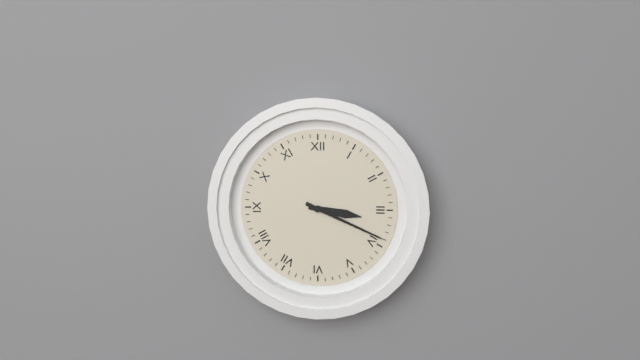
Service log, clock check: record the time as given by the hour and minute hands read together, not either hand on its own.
3:19
